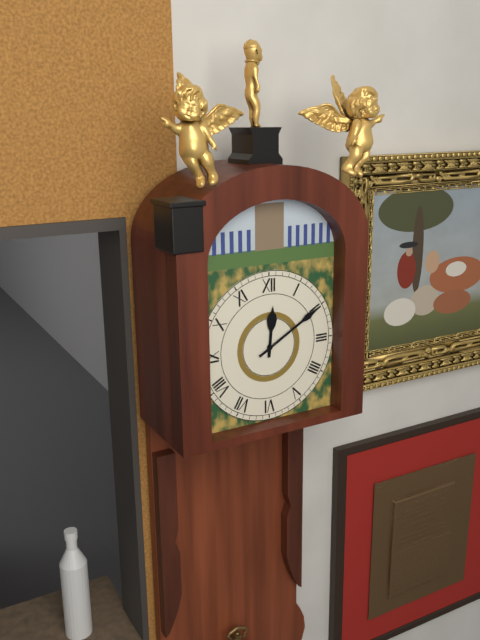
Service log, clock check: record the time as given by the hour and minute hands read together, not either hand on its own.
12:10
